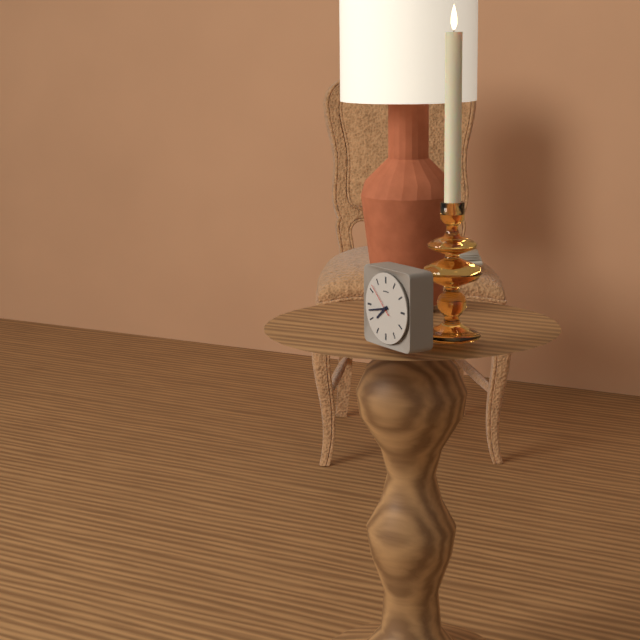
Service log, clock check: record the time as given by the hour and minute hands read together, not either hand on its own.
7:43
